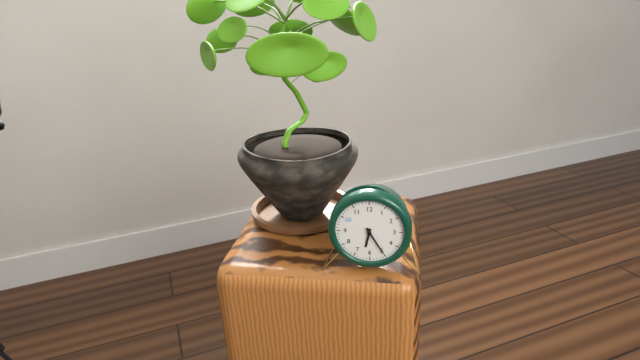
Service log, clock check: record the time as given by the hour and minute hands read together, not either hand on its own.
6:25
